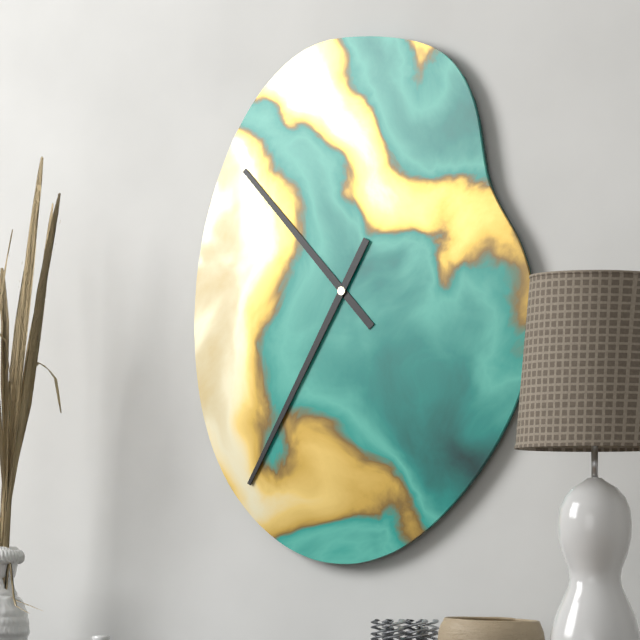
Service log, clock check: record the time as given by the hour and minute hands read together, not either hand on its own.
10:35
